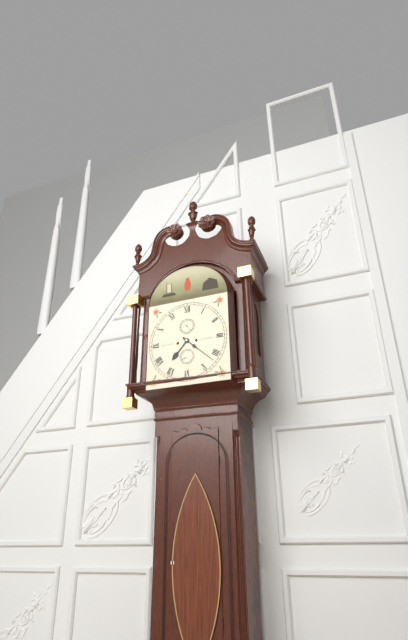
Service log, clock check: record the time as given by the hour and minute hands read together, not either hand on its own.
7:22
